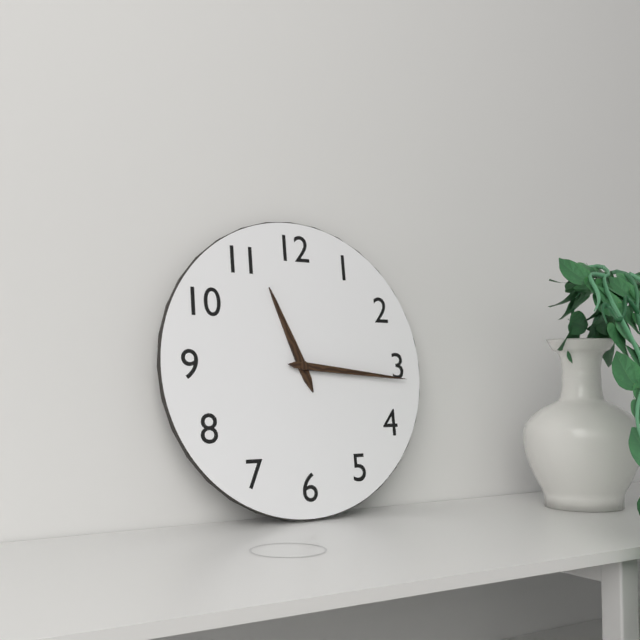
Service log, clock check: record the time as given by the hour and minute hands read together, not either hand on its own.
11:16
